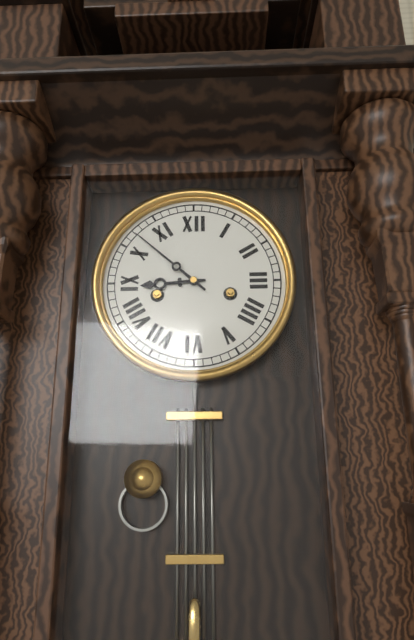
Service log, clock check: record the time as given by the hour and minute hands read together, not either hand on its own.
8:52
